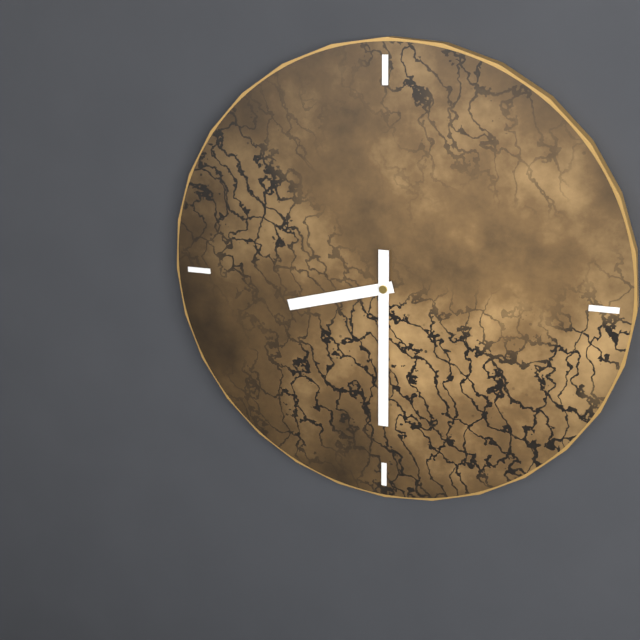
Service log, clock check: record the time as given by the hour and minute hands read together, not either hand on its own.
8:30
